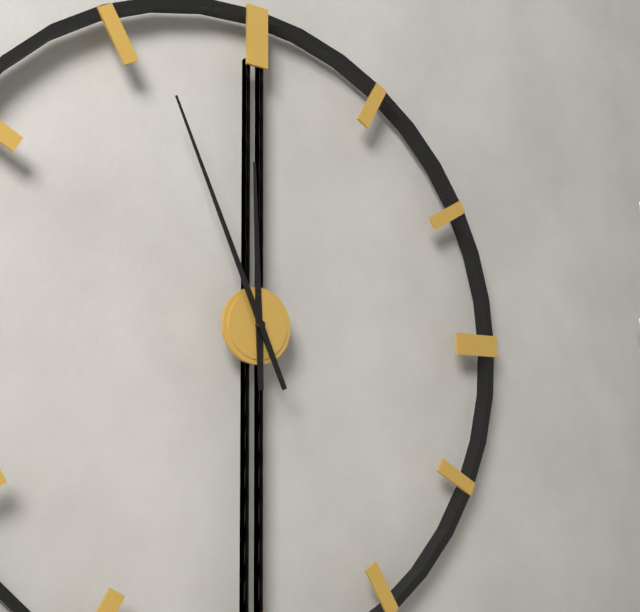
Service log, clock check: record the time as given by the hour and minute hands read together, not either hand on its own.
11:56
